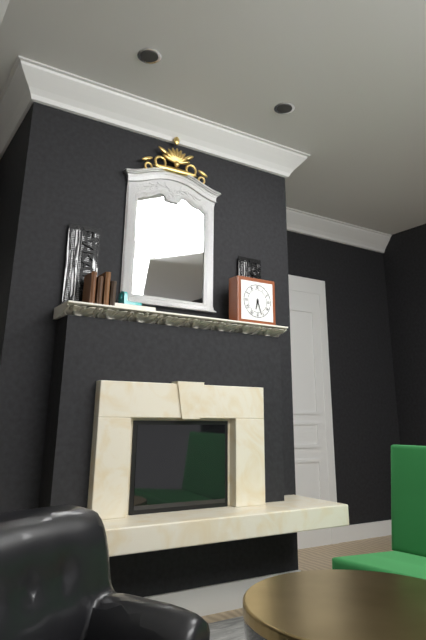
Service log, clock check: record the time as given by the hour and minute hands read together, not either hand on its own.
6:27
